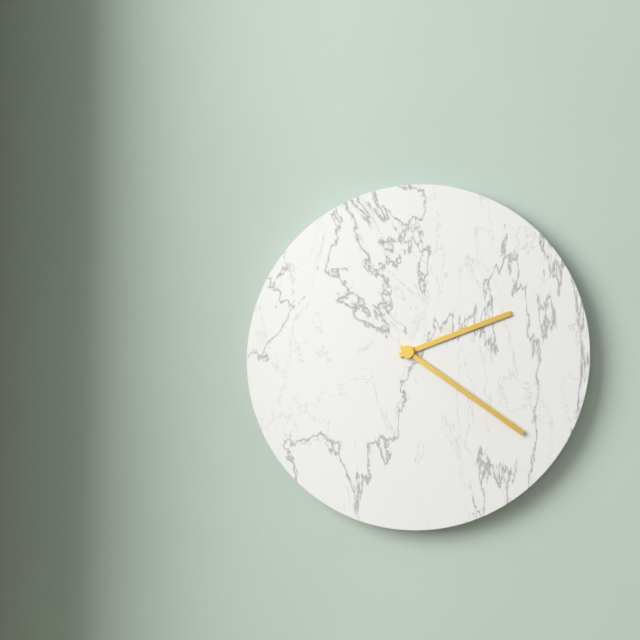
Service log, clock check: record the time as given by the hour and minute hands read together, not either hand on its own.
2:21
